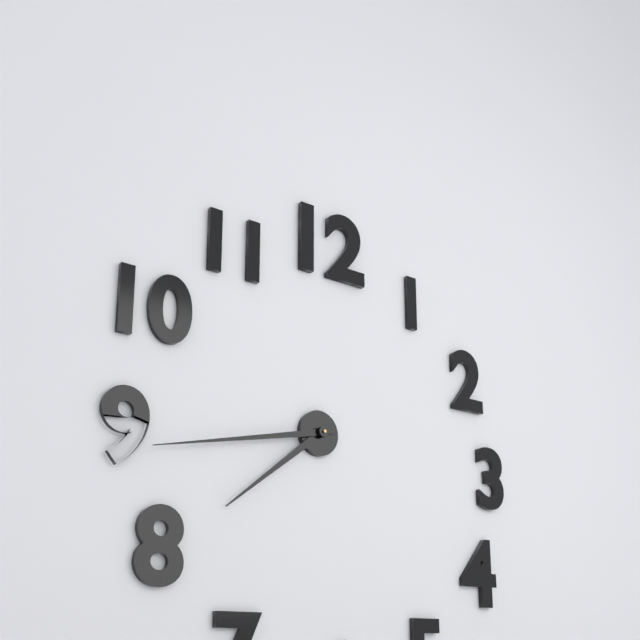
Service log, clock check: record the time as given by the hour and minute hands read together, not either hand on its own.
7:43
